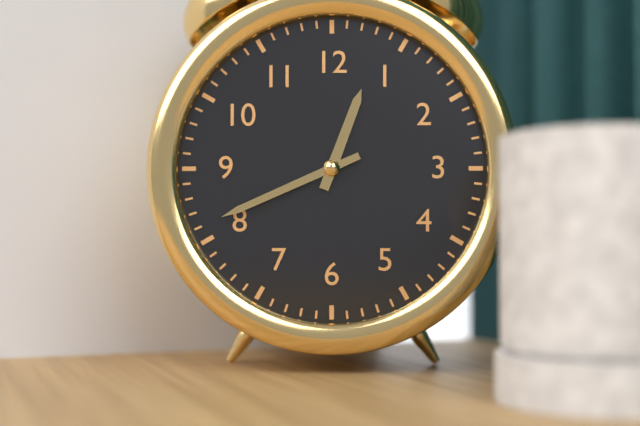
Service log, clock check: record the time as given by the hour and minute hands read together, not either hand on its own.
12:41
